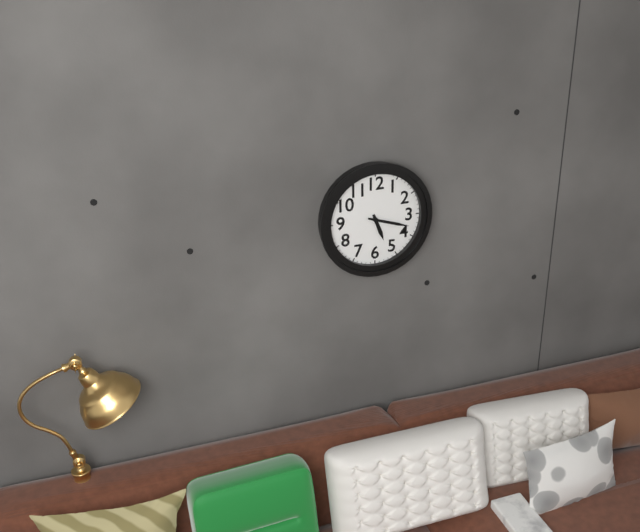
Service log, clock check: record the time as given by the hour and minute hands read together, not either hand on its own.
5:18
